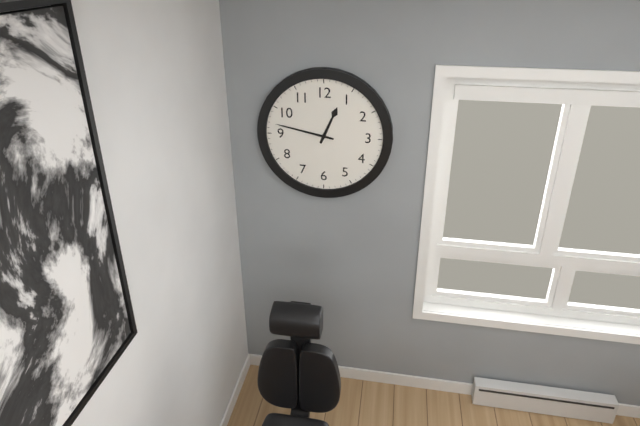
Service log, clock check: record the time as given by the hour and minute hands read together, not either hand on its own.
12:47
